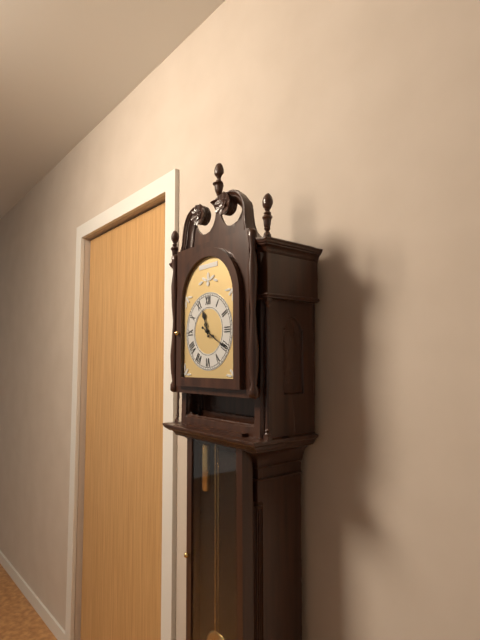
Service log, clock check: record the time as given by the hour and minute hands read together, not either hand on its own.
11:20
